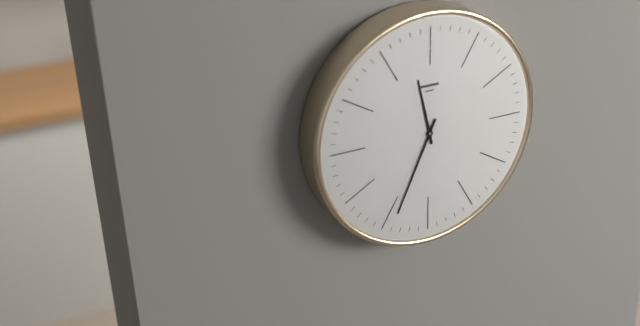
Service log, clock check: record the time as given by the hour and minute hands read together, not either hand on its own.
11:34
